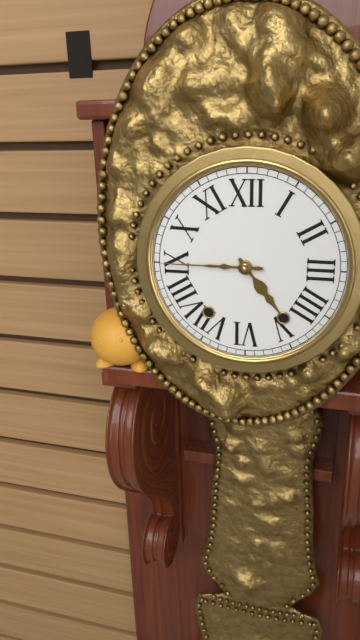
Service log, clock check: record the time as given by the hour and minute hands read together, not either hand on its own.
4:45
